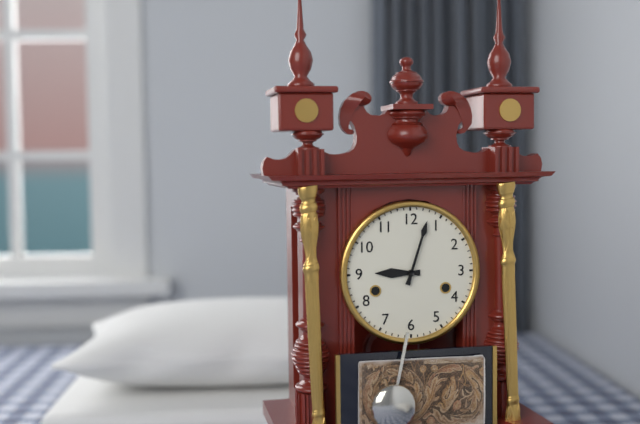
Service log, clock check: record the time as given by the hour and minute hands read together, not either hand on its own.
9:03
